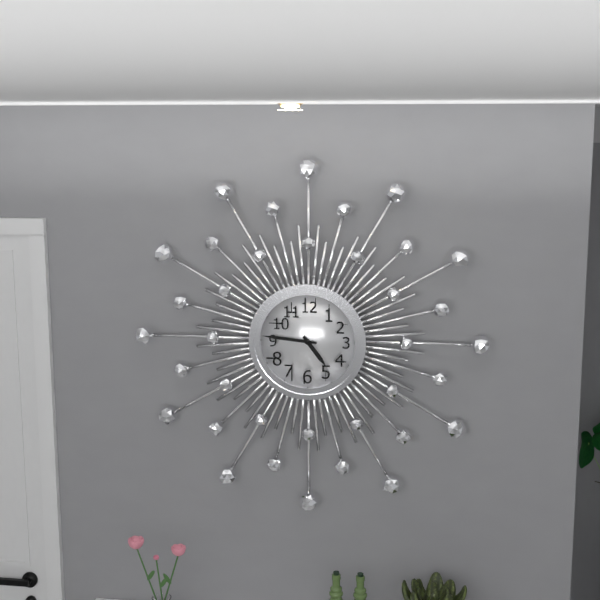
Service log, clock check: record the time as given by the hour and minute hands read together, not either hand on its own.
4:46
